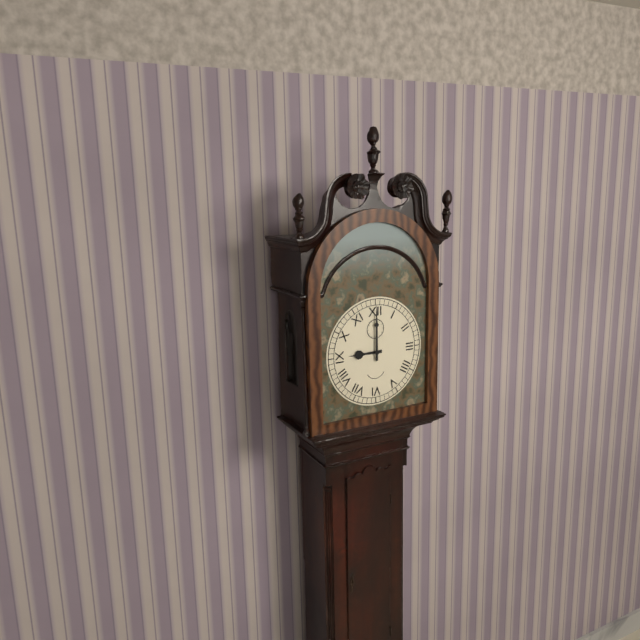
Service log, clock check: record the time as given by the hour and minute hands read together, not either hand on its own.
9:00
